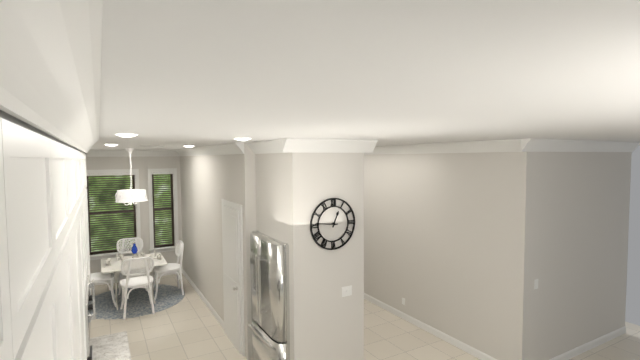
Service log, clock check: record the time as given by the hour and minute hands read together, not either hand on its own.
12:46
